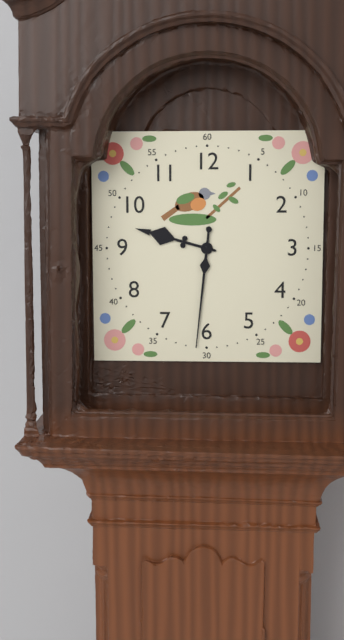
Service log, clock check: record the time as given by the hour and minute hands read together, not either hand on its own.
9:31
